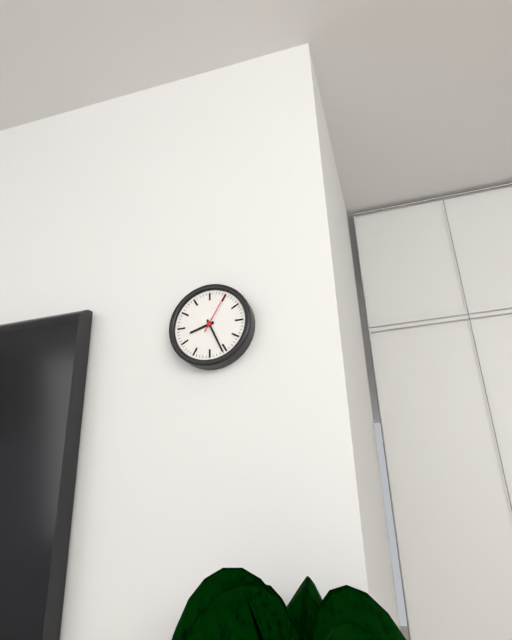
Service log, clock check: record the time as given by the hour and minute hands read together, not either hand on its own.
8:26
